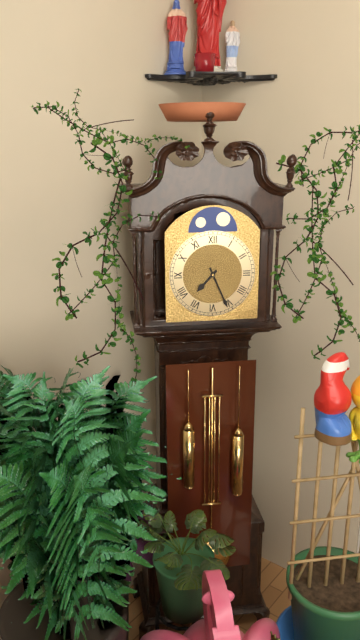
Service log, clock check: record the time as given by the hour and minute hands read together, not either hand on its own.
7:26
